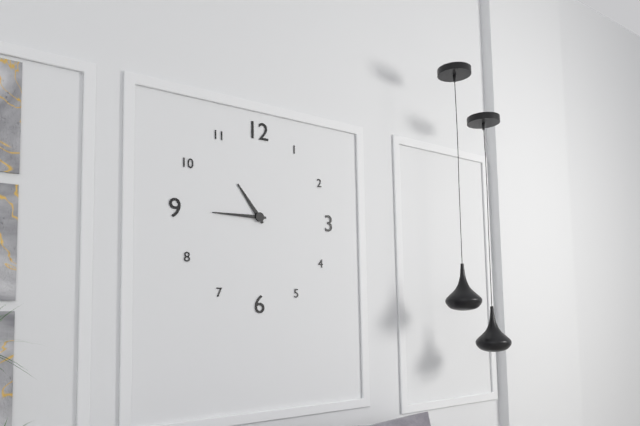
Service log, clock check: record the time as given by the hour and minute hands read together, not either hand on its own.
10:45
